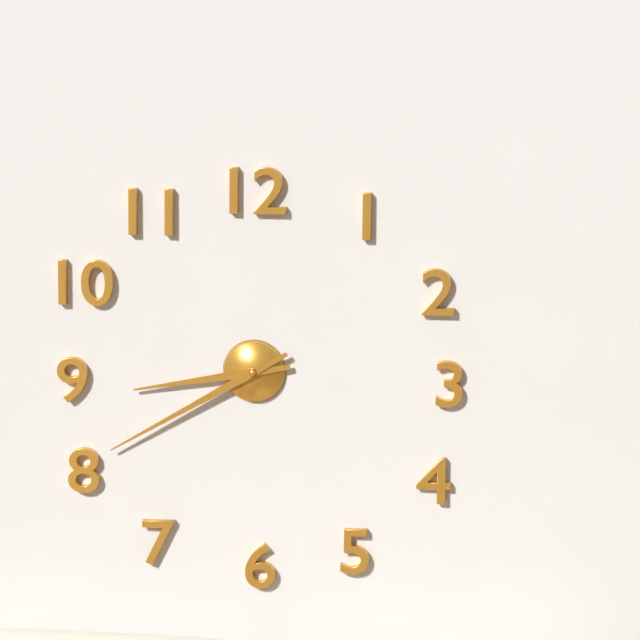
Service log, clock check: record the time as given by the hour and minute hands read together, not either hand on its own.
8:40
